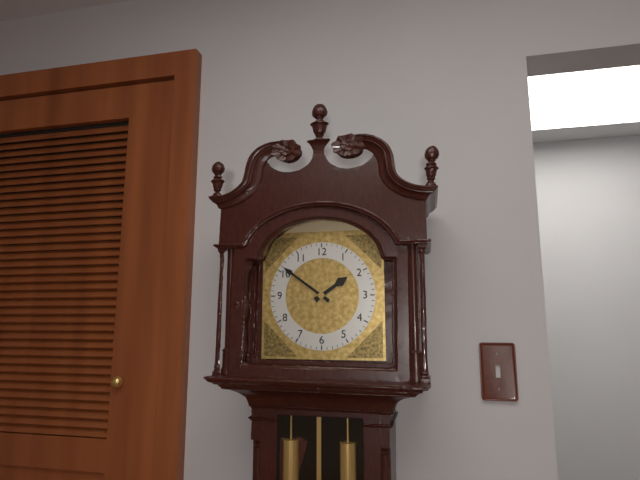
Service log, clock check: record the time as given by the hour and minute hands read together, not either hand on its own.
1:51
